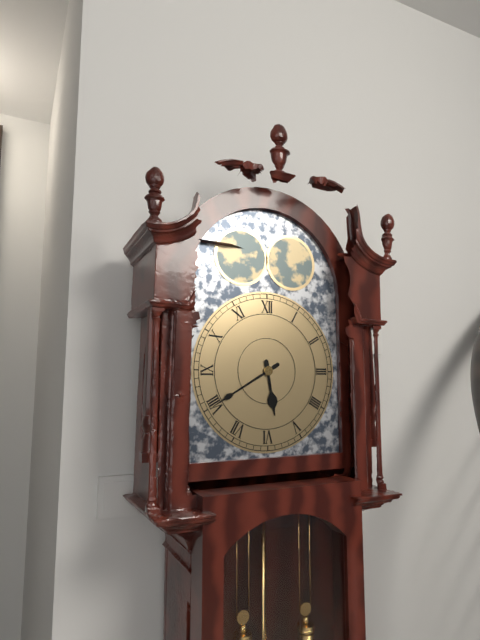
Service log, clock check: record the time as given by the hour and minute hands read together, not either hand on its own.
5:40
